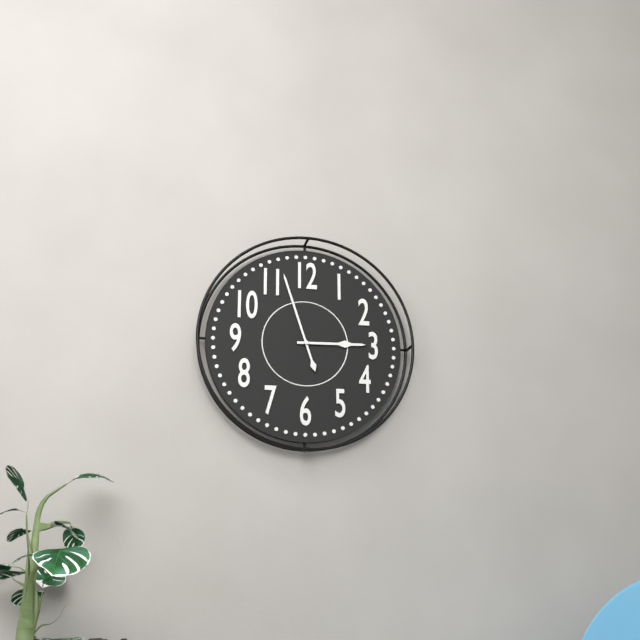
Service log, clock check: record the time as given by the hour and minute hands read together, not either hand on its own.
2:57
